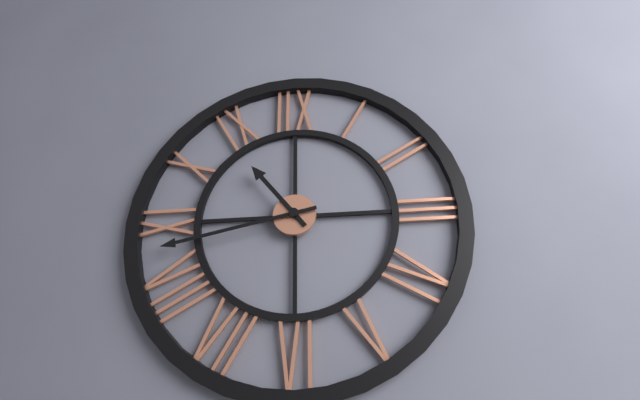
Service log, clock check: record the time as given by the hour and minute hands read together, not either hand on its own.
10:43
